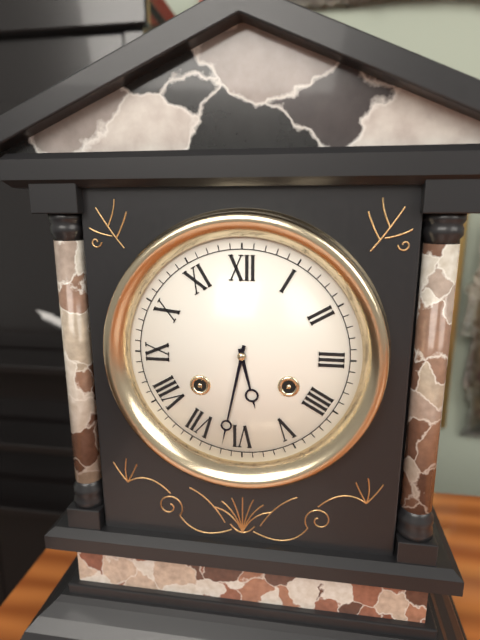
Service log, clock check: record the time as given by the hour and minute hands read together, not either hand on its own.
5:32
